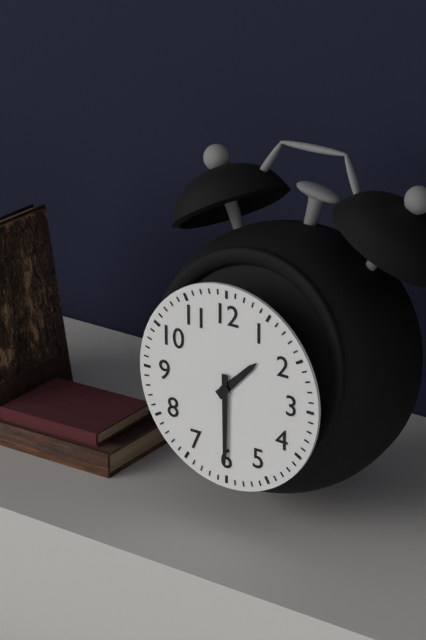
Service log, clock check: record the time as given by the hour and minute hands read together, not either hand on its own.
1:30
